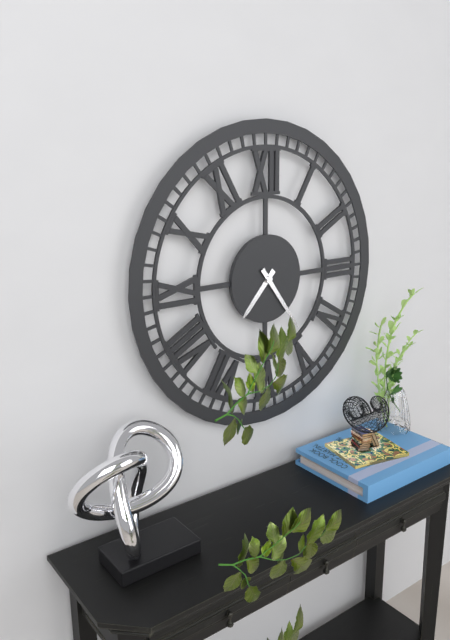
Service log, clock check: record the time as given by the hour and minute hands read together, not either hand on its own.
7:24
